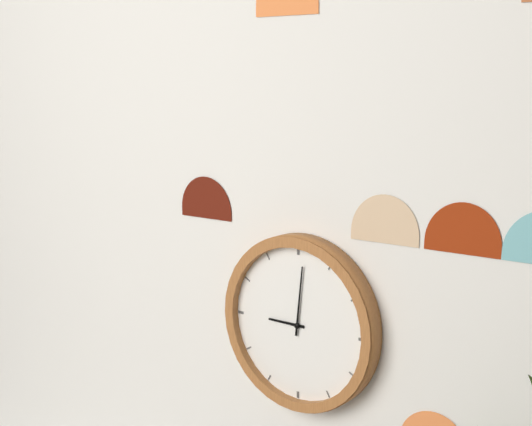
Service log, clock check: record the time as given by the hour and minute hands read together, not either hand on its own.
9:01
